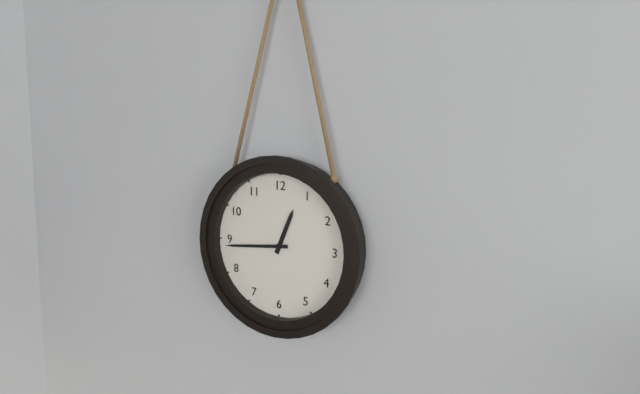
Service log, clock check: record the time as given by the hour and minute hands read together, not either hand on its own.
12:44
